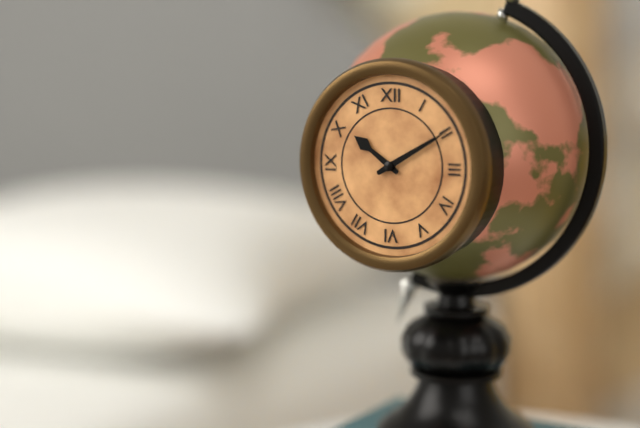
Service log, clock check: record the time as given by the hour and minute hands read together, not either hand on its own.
10:10
